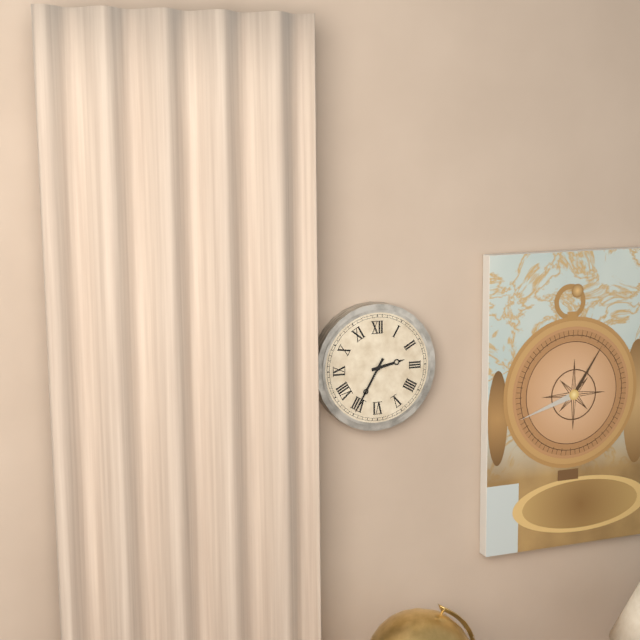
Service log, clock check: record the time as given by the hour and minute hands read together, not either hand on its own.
2:35
